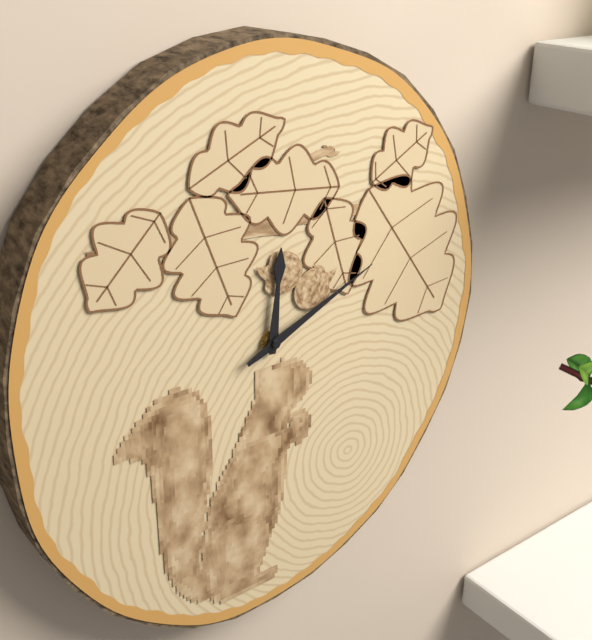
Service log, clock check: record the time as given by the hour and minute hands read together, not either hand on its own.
12:11
